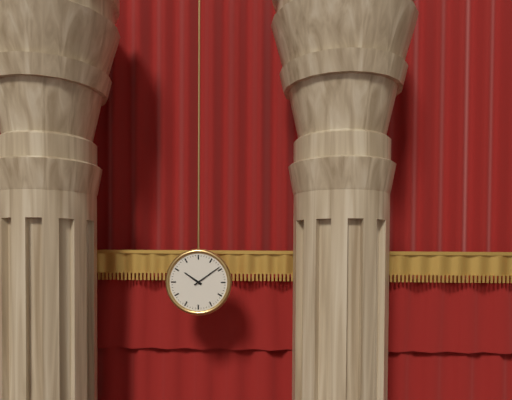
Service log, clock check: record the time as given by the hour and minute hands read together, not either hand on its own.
10:09
